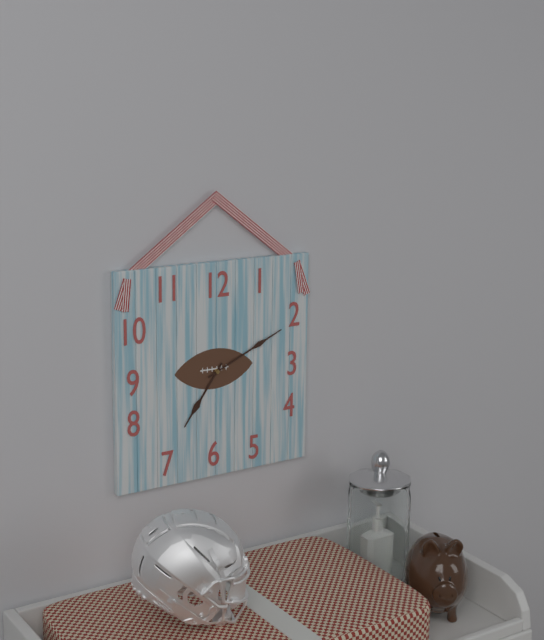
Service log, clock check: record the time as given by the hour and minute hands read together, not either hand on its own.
7:11
